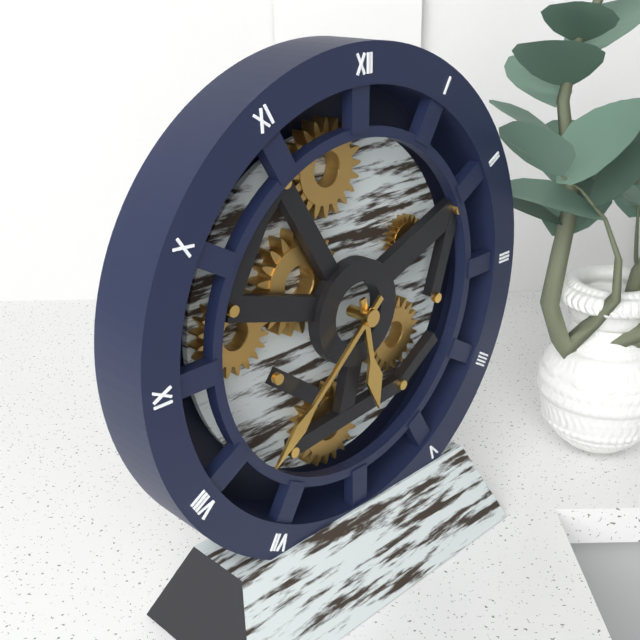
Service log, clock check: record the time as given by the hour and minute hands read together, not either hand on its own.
5:38
